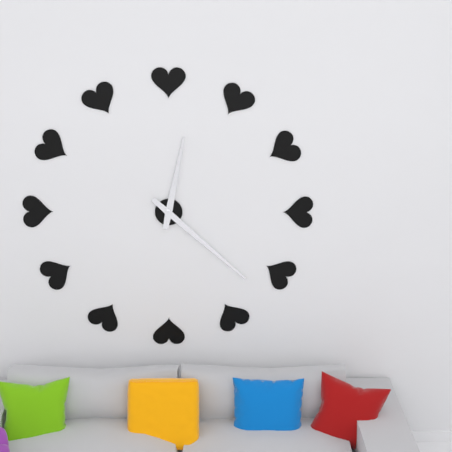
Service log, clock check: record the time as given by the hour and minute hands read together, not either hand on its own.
12:22
